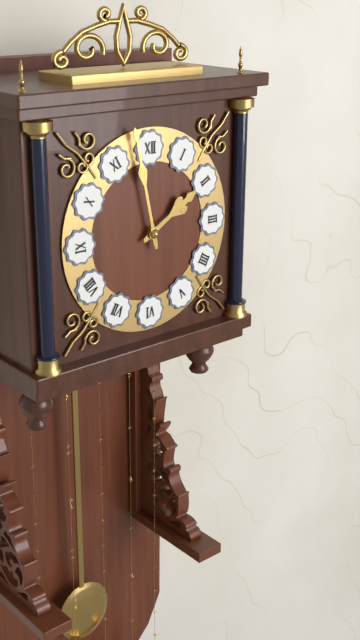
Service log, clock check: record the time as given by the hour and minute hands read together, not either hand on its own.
1:58
